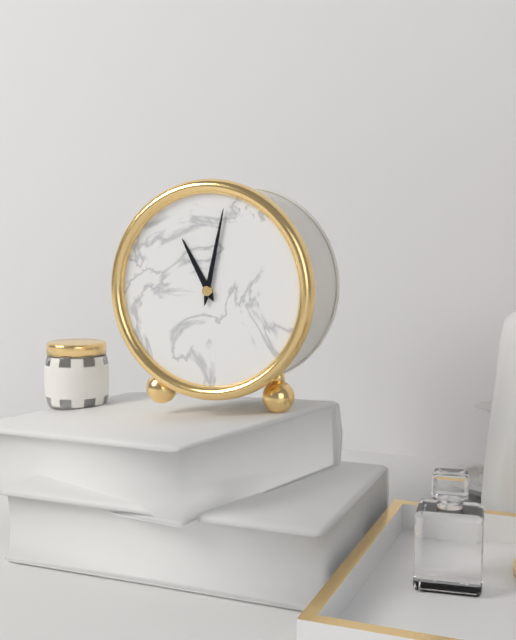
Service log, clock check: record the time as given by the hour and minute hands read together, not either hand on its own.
11:02
